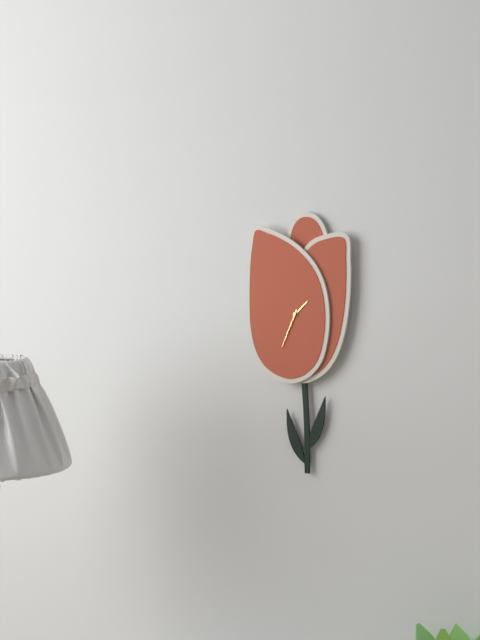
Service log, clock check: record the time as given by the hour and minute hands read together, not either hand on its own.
1:34
